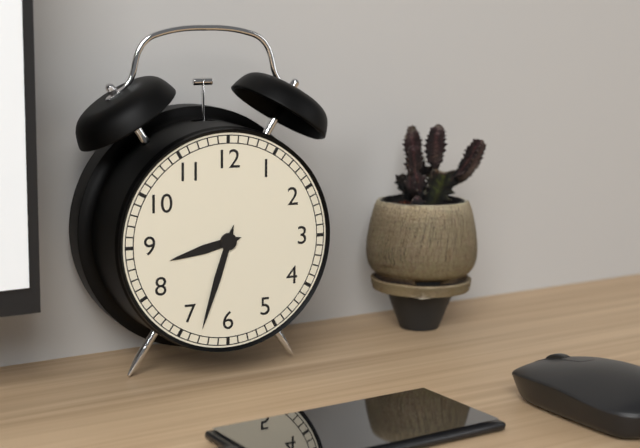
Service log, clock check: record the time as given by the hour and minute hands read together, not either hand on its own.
8:33
